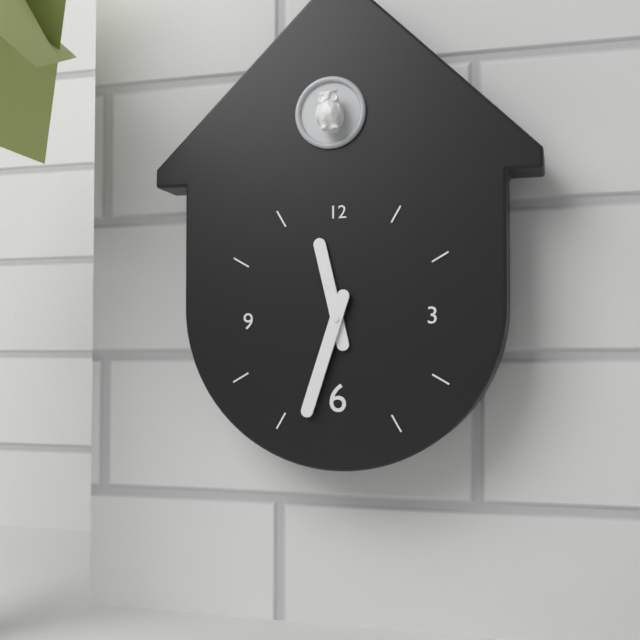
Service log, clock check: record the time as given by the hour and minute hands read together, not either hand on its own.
11:33
